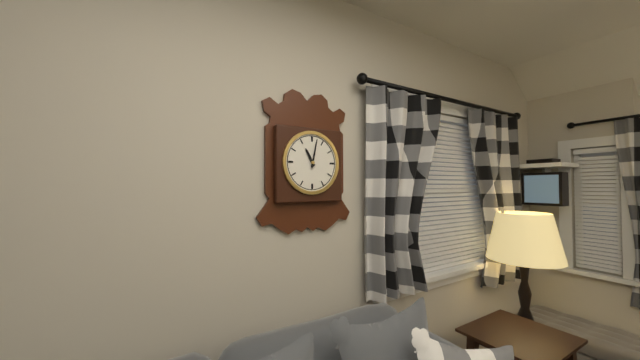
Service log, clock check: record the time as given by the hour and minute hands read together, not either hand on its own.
11:02
